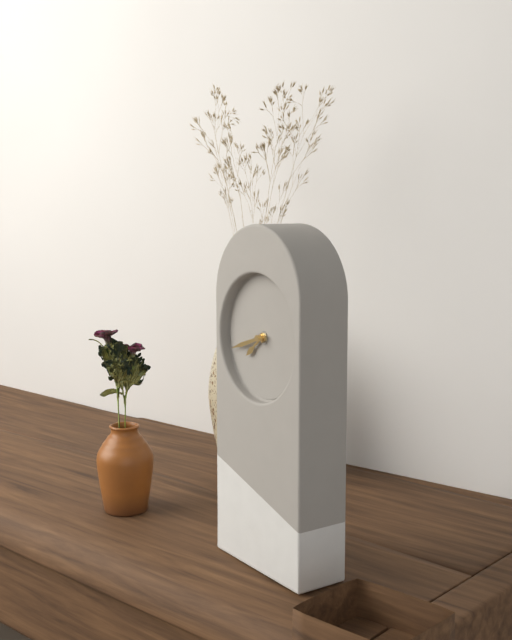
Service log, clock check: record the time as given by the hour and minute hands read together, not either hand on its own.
7:42
